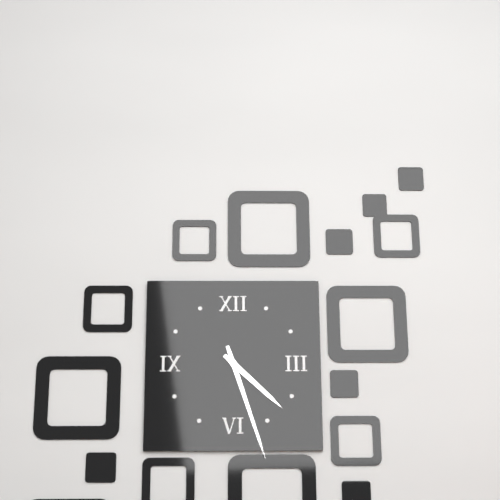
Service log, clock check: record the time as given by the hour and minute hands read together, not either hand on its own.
4:27
